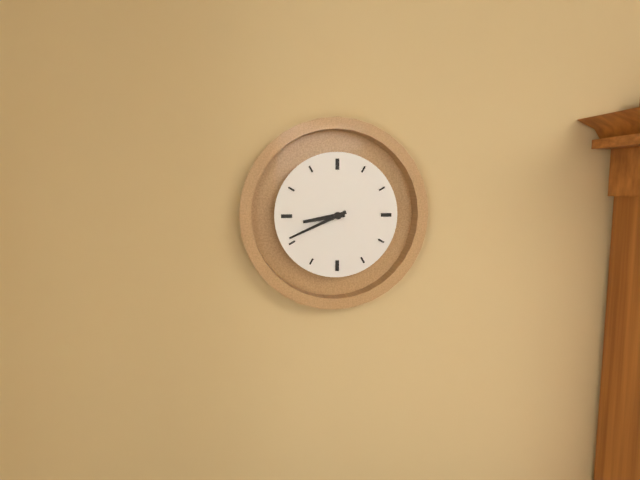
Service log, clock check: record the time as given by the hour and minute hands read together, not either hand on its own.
8:41
